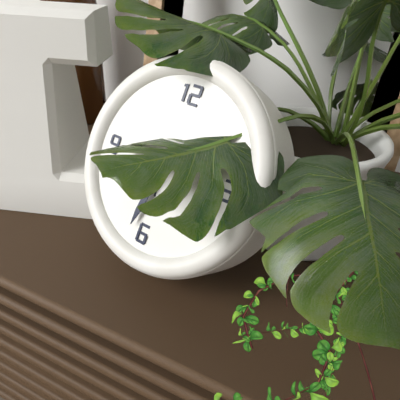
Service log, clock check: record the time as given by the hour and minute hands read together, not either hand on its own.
1:32
